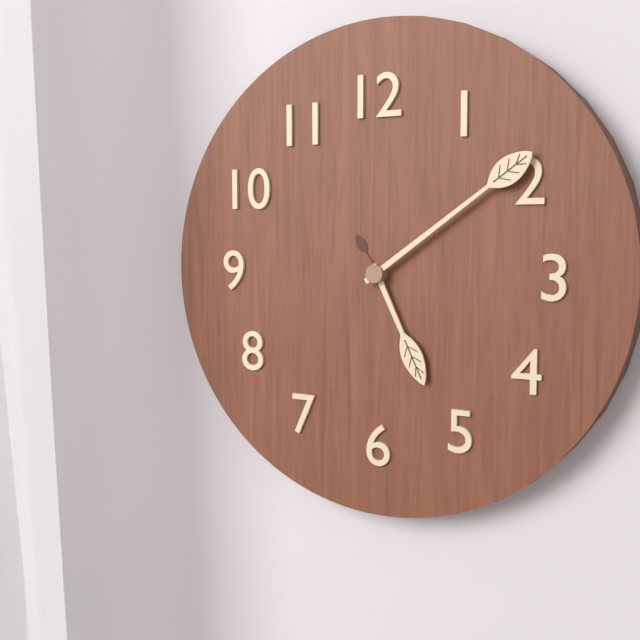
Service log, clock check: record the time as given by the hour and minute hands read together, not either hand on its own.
5:09
